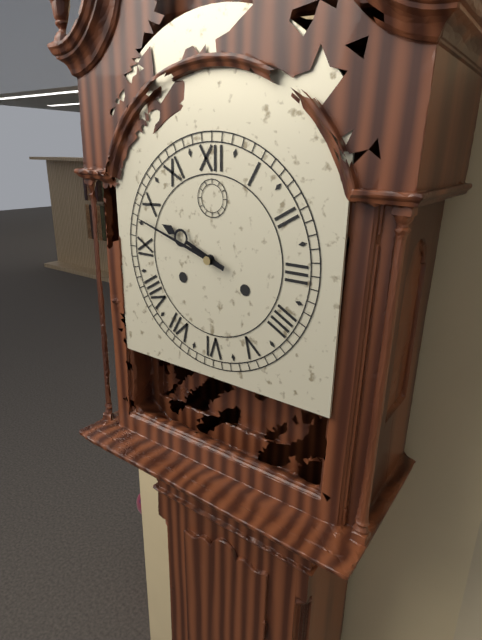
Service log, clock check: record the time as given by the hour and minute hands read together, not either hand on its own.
9:48
